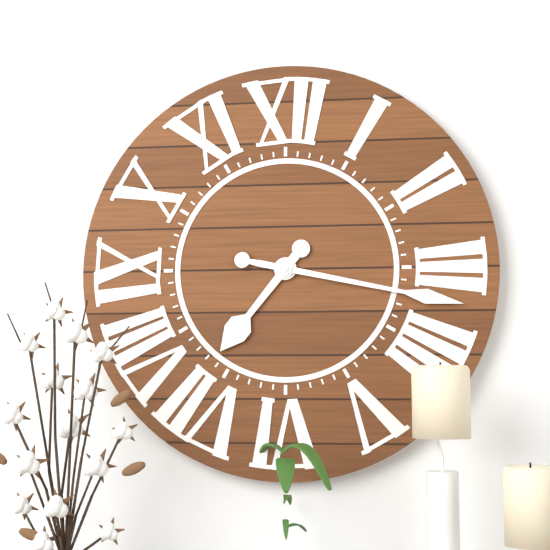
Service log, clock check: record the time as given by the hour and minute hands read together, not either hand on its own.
7:17
